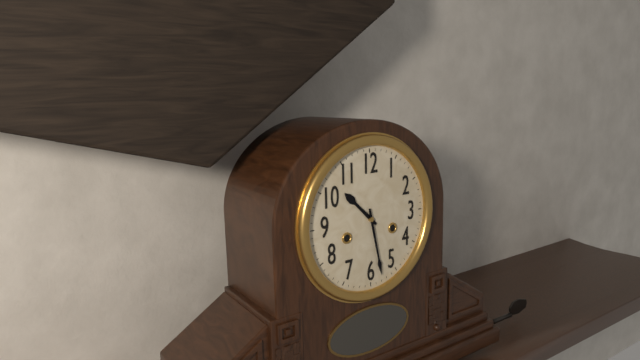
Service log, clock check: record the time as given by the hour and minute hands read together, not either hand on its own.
10:28
